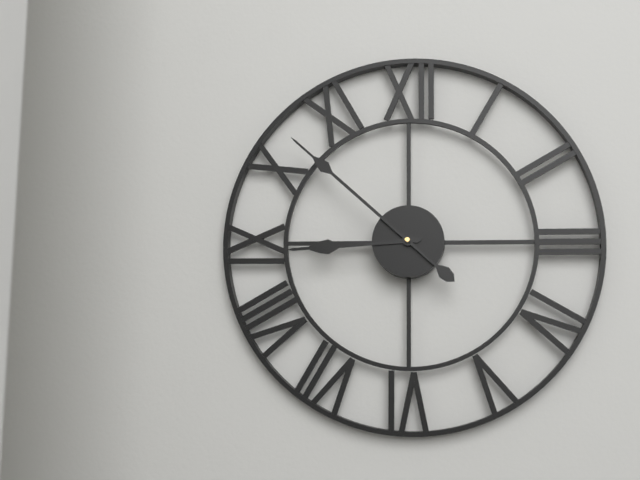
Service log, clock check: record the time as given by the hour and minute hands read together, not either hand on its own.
8:52
